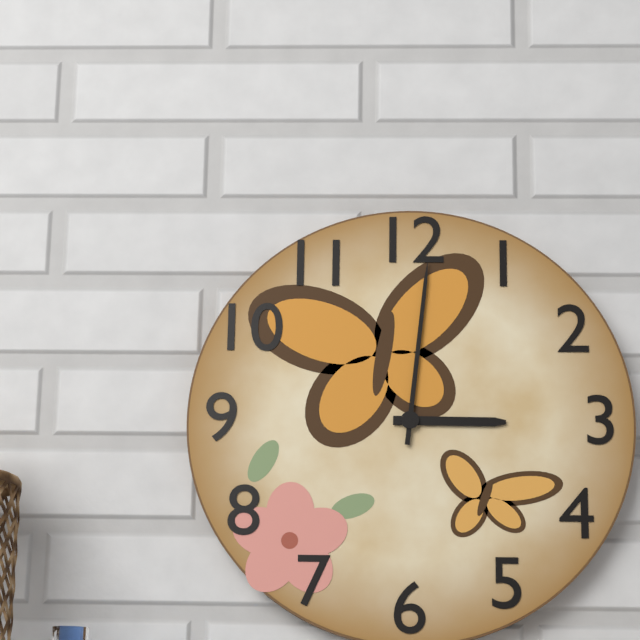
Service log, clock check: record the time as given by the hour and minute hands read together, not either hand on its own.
3:01
